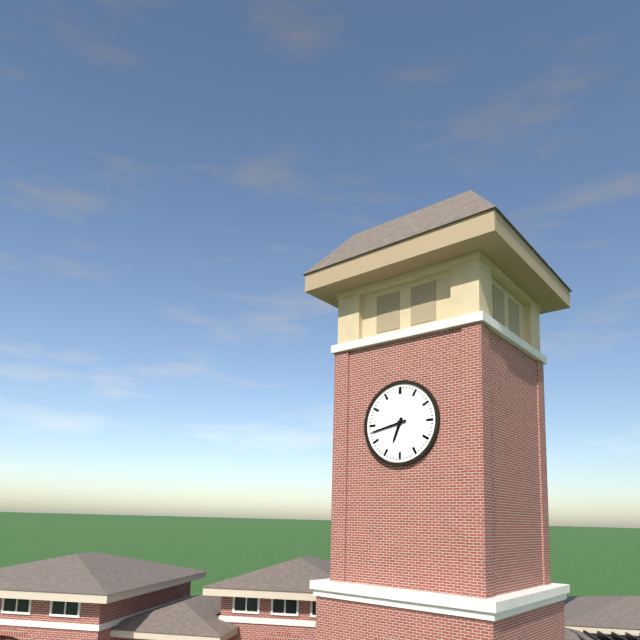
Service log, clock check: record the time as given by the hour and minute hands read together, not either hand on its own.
6:43
